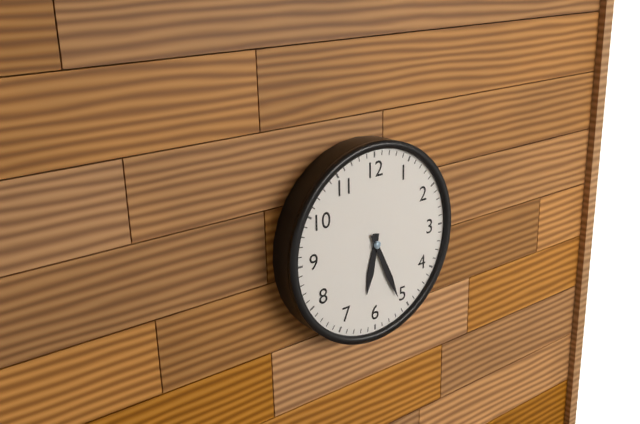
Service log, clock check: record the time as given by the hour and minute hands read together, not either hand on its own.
6:26
